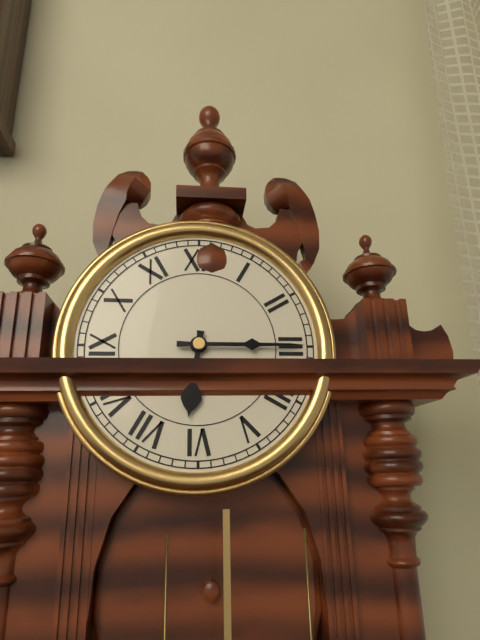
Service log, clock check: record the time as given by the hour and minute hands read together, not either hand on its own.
6:15
